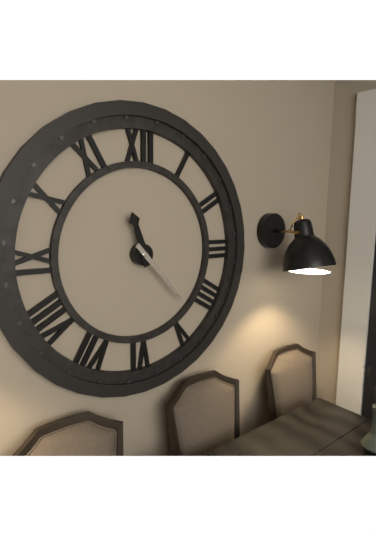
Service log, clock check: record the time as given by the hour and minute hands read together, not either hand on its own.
11:23
